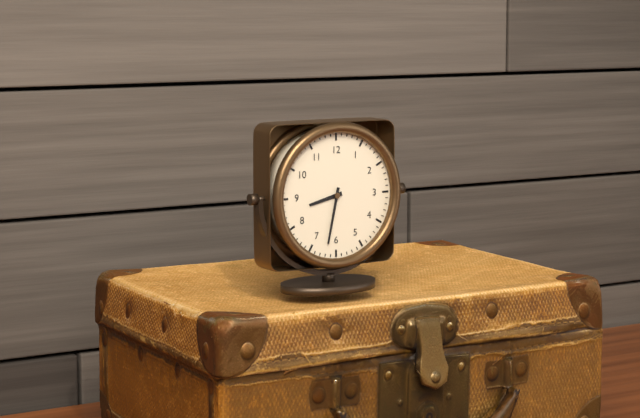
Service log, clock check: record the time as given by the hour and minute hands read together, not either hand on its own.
8:32
